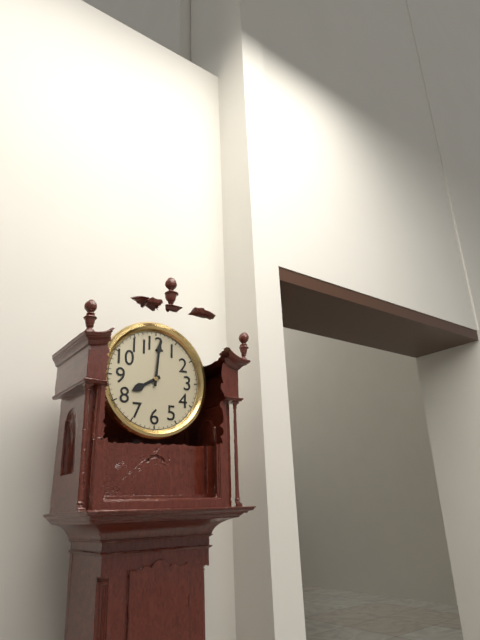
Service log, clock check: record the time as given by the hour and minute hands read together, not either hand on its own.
8:01
